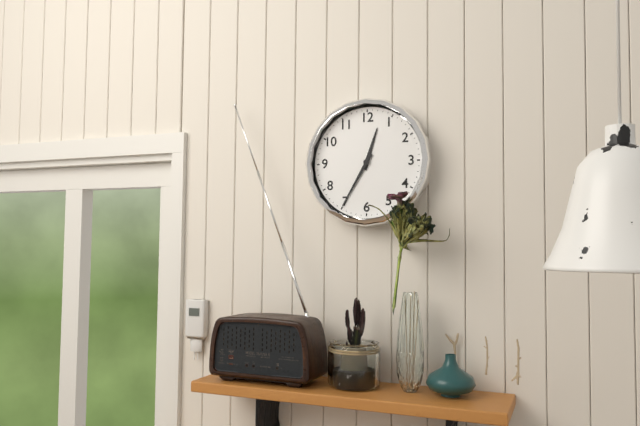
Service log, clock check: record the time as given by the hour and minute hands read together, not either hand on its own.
12:35
